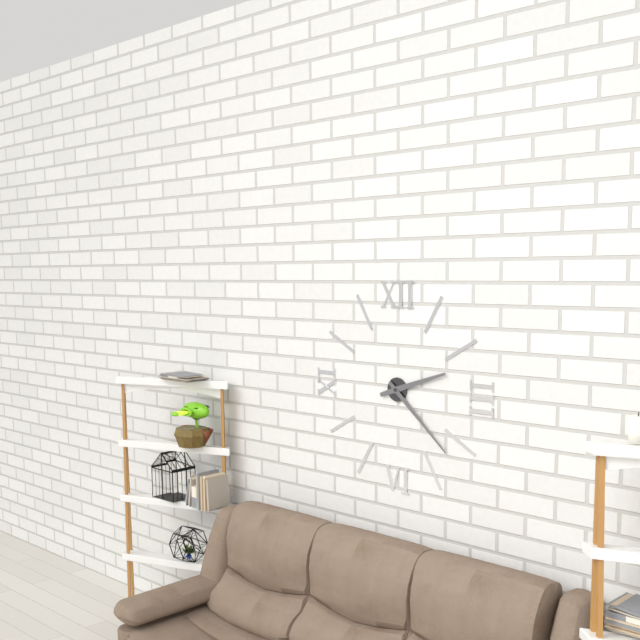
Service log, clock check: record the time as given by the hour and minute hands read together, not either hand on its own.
2:22
